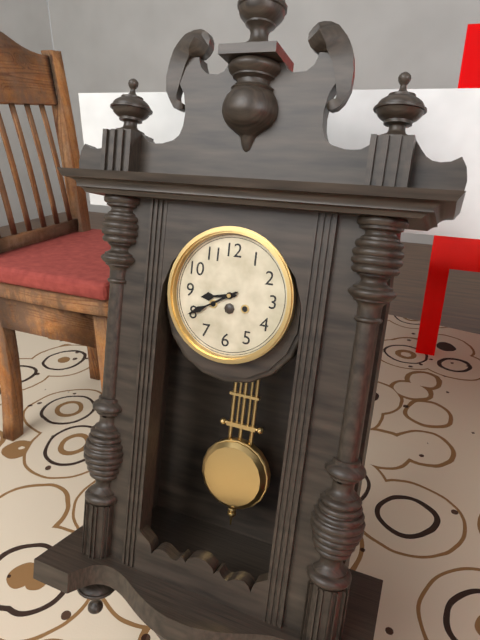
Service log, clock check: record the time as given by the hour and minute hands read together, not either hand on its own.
8:40
